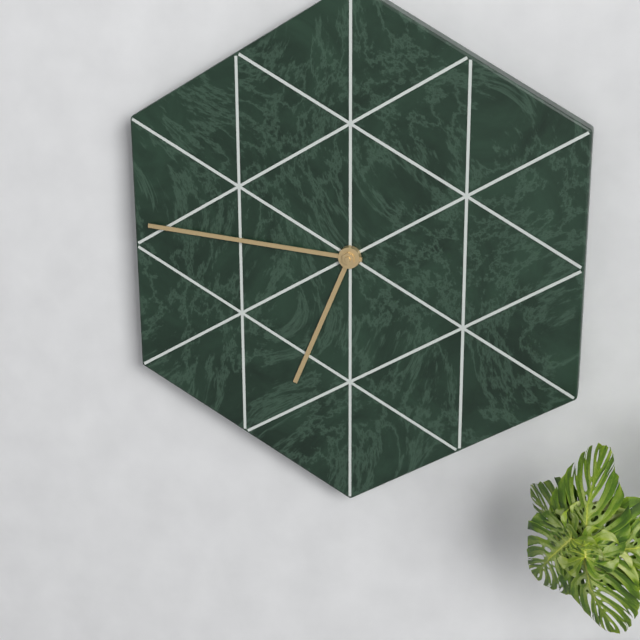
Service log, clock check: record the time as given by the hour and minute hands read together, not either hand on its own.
6:46
